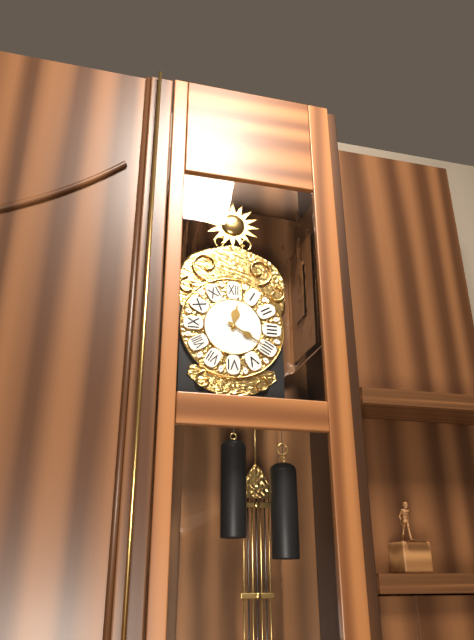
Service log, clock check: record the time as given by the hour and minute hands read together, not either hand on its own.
12:20
